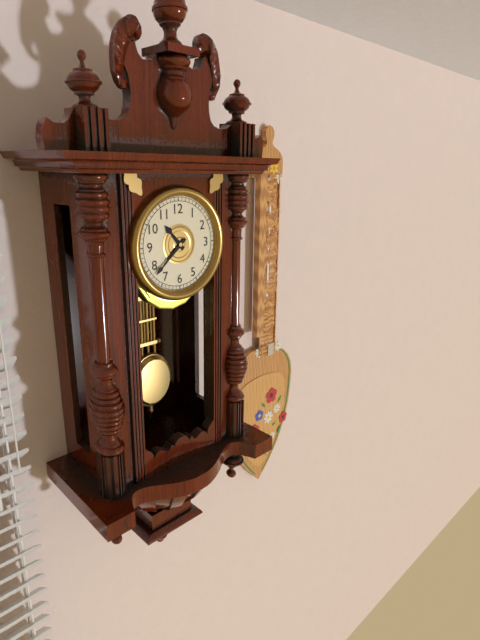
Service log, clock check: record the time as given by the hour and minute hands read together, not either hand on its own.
10:38
